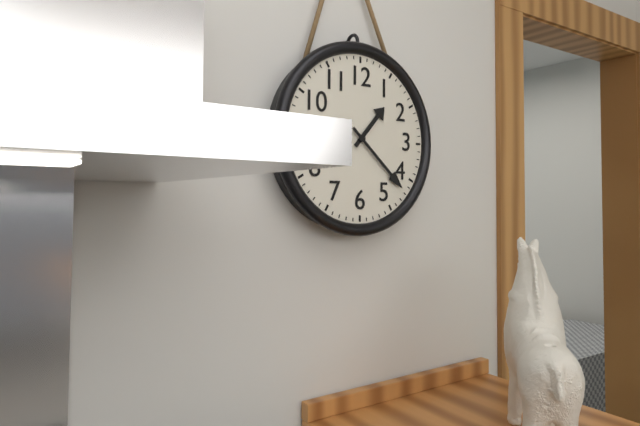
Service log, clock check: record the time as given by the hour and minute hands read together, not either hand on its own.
1:22
